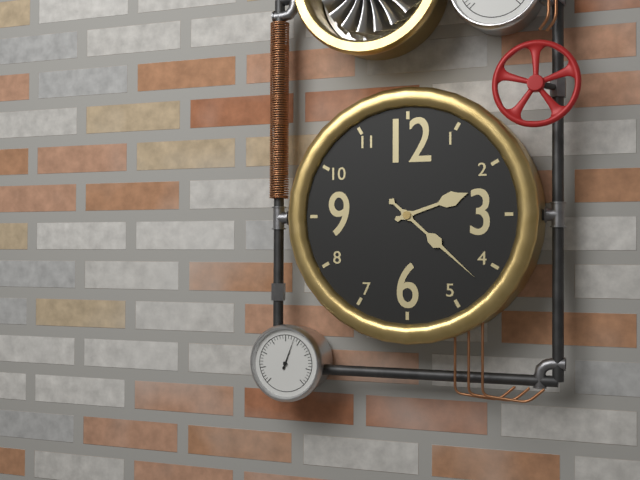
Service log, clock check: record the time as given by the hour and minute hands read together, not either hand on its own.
2:22
